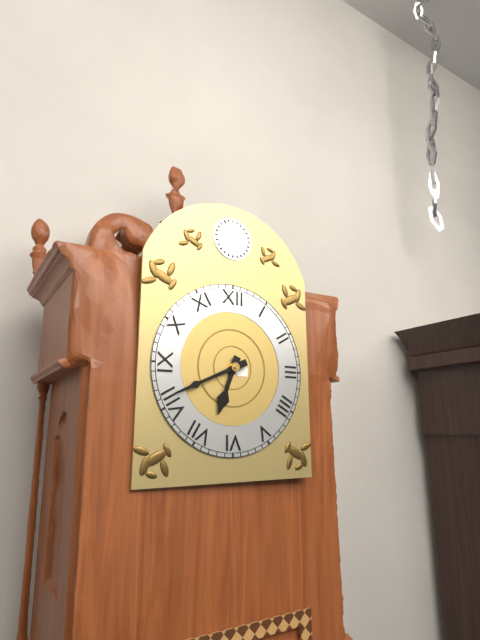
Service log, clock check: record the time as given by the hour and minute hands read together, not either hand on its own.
6:41
